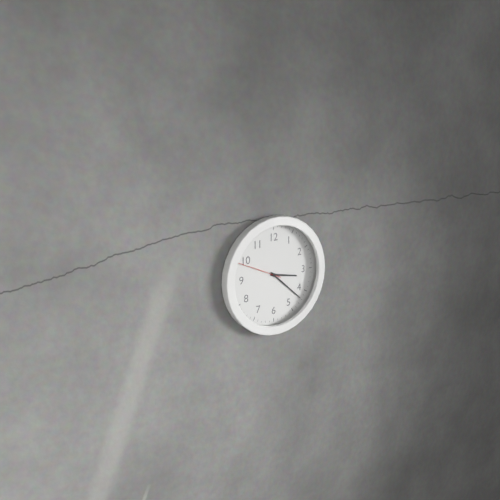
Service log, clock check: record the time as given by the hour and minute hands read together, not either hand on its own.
3:22
